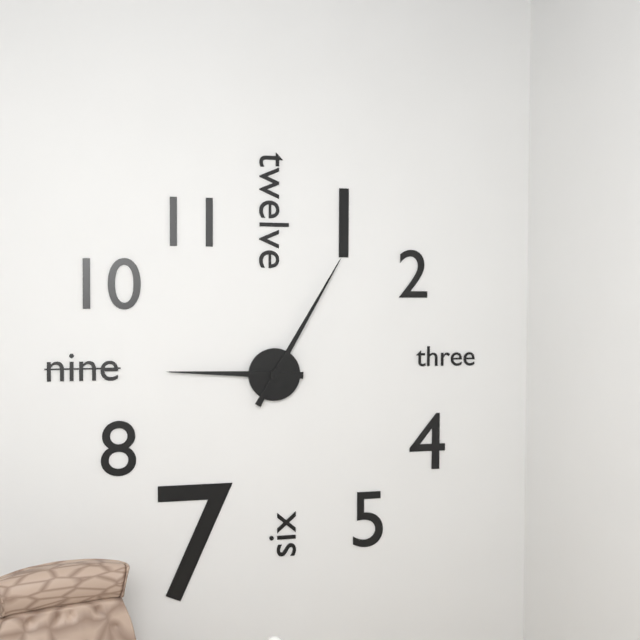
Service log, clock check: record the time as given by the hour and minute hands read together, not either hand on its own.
9:05
